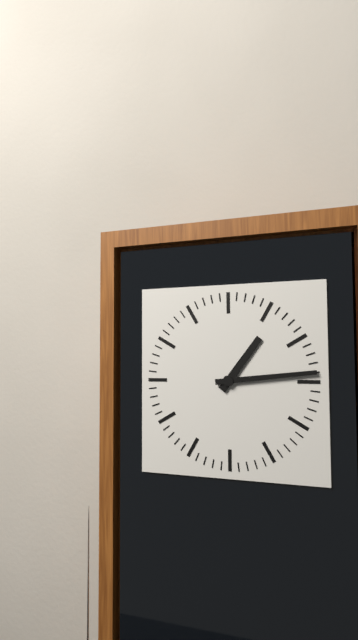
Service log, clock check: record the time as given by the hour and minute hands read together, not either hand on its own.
1:14
